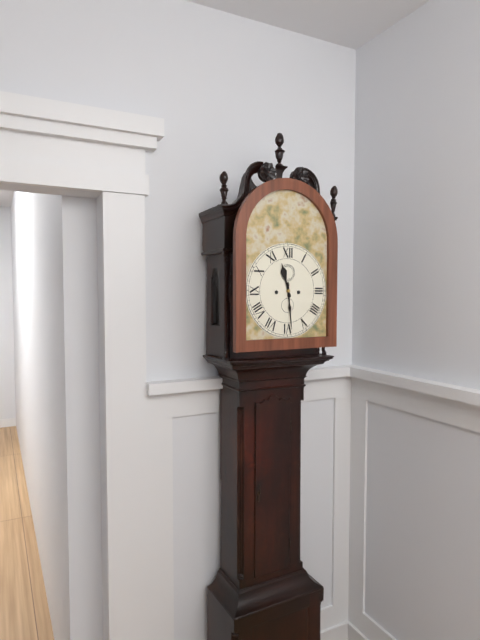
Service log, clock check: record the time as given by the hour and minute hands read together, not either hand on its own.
11:29
